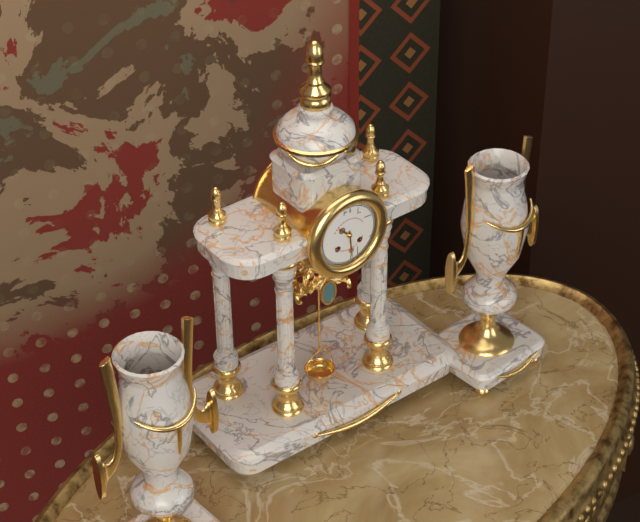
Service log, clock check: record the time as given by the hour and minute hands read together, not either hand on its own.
10:29
